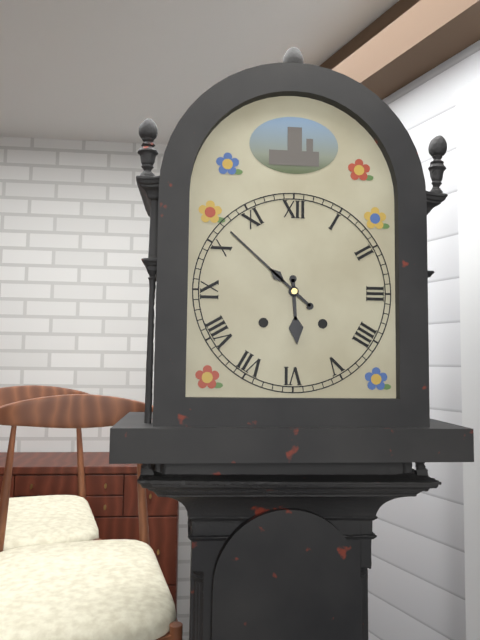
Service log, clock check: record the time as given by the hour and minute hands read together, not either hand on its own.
5:52
